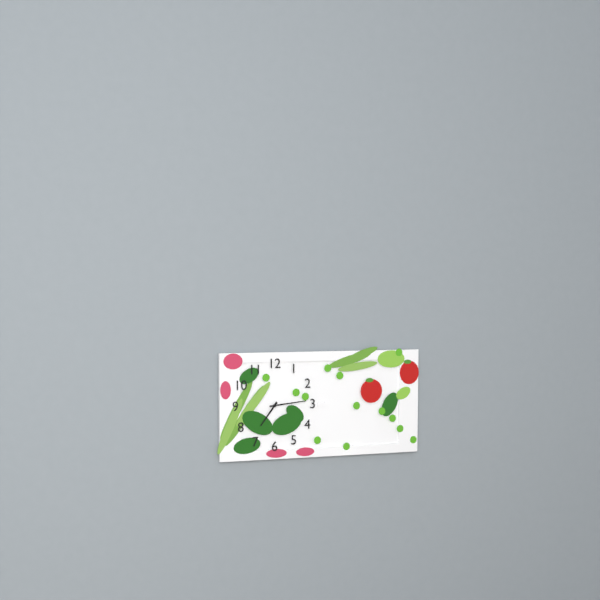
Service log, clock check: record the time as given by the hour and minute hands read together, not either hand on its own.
7:14
